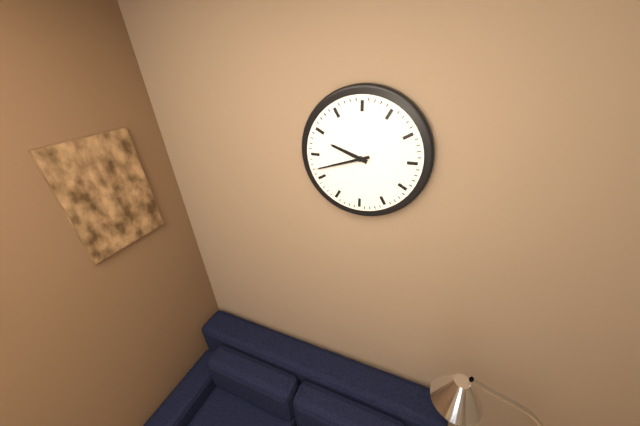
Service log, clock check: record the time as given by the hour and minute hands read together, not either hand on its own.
9:42
